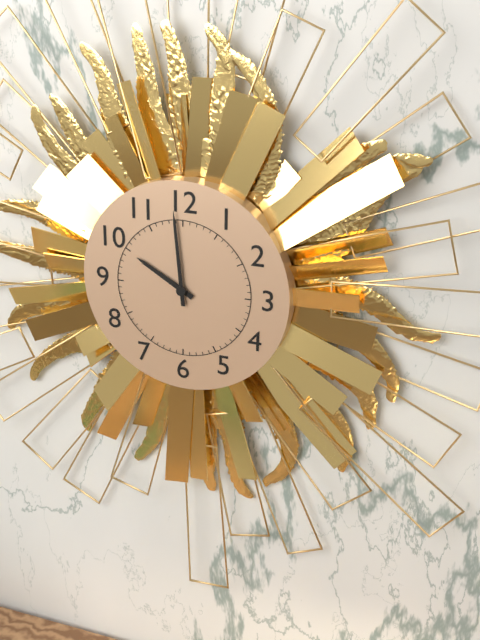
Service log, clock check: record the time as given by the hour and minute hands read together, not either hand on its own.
9:59
